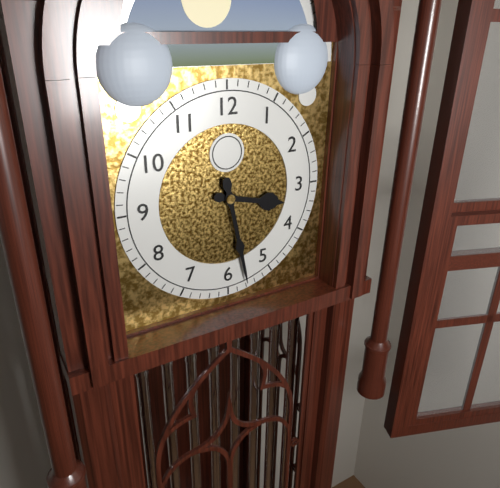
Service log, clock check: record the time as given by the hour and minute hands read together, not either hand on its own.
3:28
